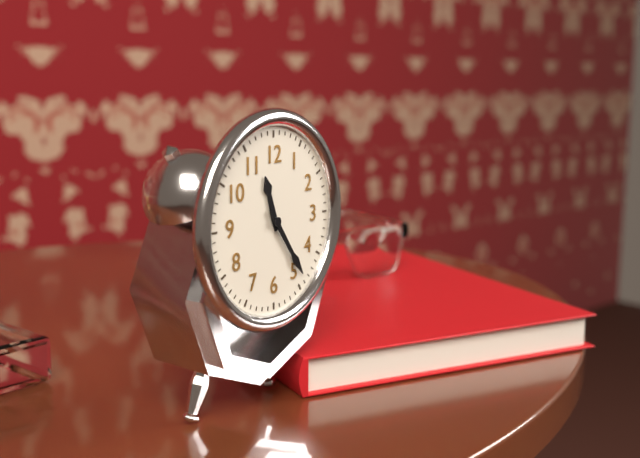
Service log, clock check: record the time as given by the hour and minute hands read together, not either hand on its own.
11:24
